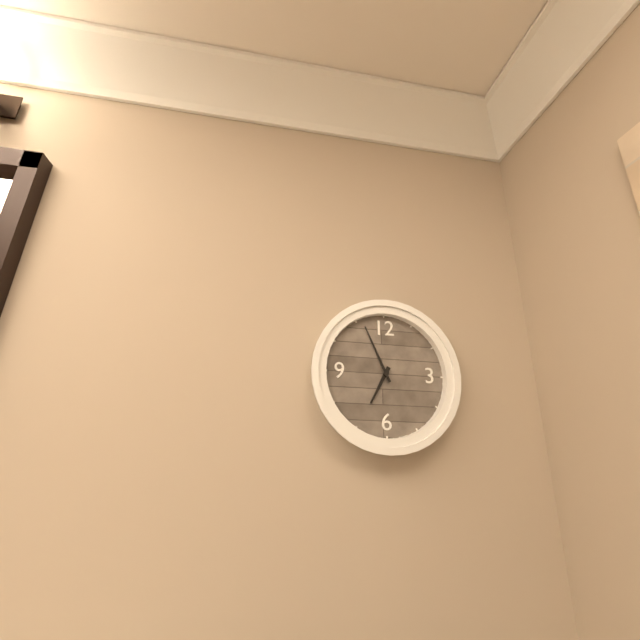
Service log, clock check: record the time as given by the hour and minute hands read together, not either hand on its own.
6:56
